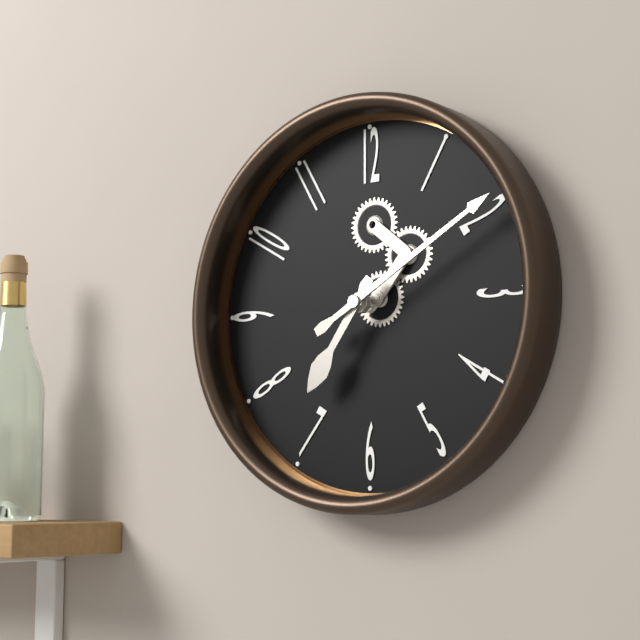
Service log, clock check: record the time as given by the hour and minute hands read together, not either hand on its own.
7:10
